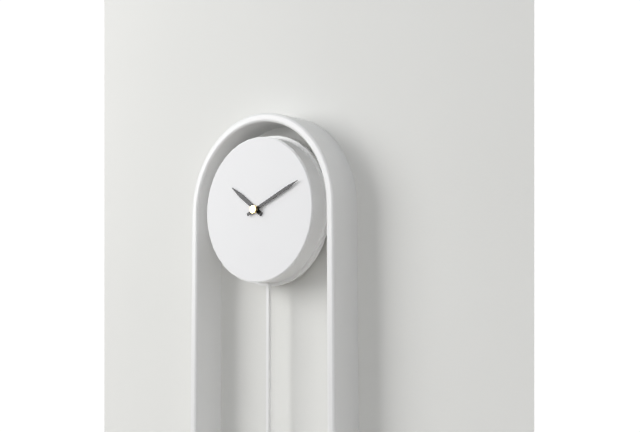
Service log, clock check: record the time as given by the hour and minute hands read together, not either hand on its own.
10:11
